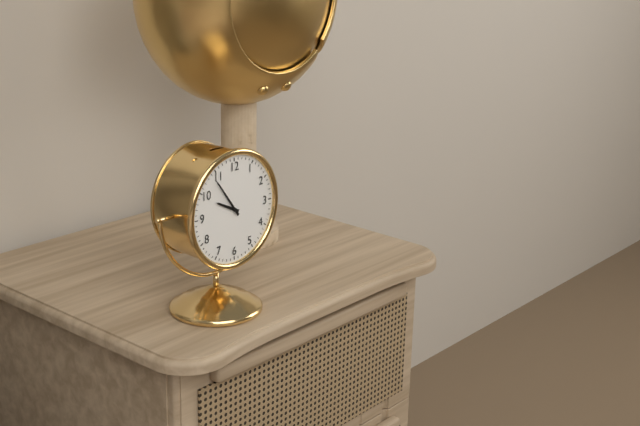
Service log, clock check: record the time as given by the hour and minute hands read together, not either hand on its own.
9:54
